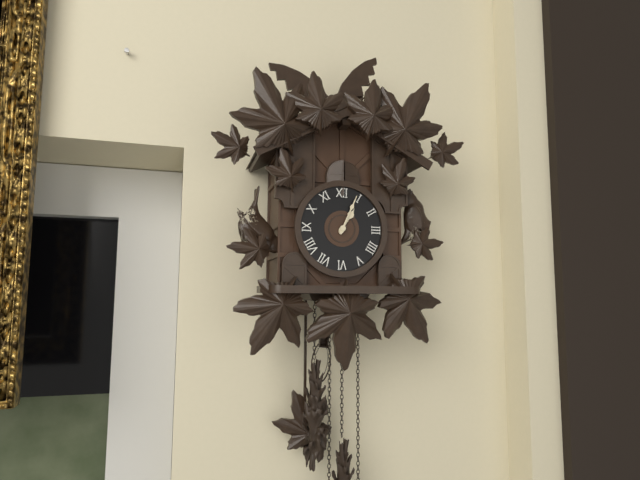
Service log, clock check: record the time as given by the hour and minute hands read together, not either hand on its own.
1:04
